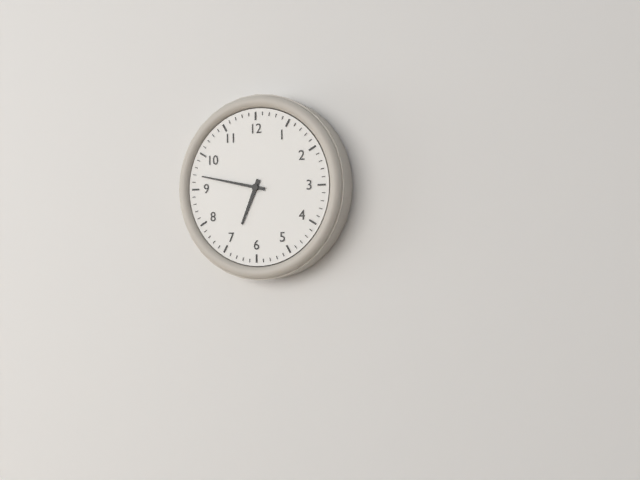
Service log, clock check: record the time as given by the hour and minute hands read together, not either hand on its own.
6:47
